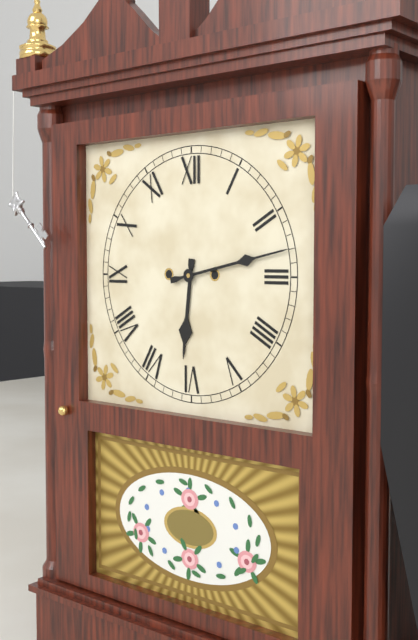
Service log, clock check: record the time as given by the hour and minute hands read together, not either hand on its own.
6:13
